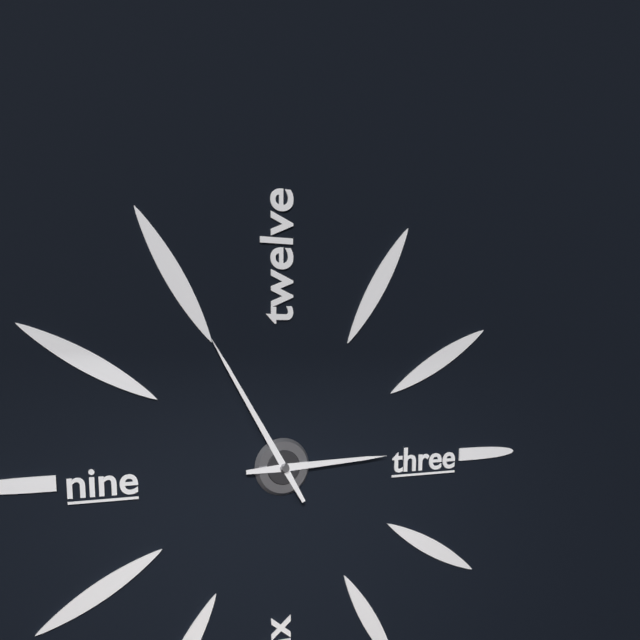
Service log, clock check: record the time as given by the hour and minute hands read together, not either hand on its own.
2:55
